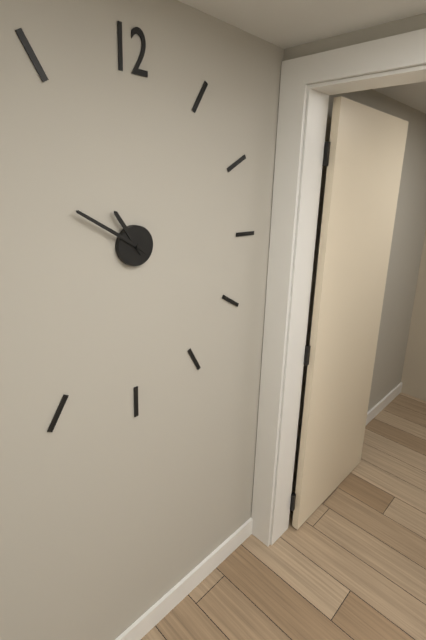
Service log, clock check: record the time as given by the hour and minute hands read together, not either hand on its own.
10:50
